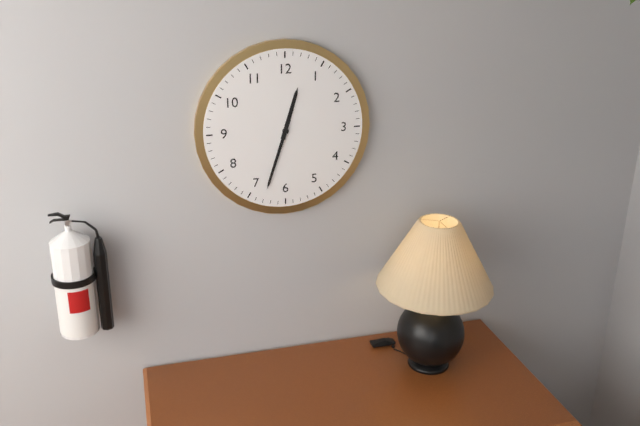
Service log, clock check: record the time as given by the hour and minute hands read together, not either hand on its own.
12:33
